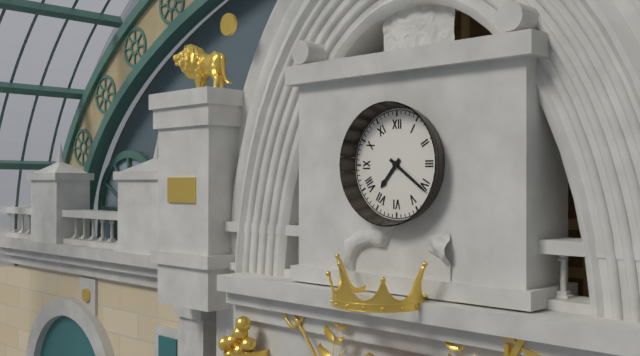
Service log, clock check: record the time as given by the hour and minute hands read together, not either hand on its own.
7:21
